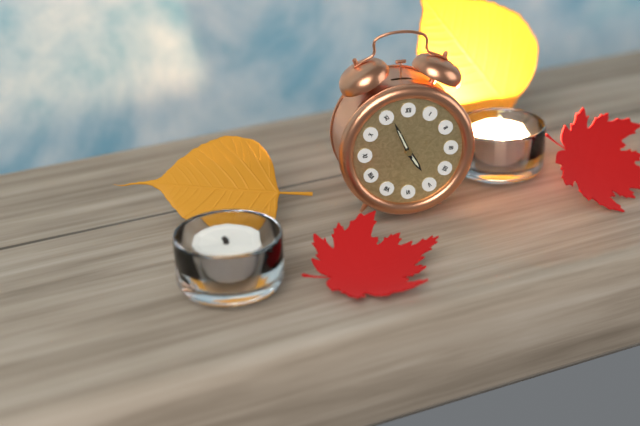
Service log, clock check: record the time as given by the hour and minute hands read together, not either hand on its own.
4:56
